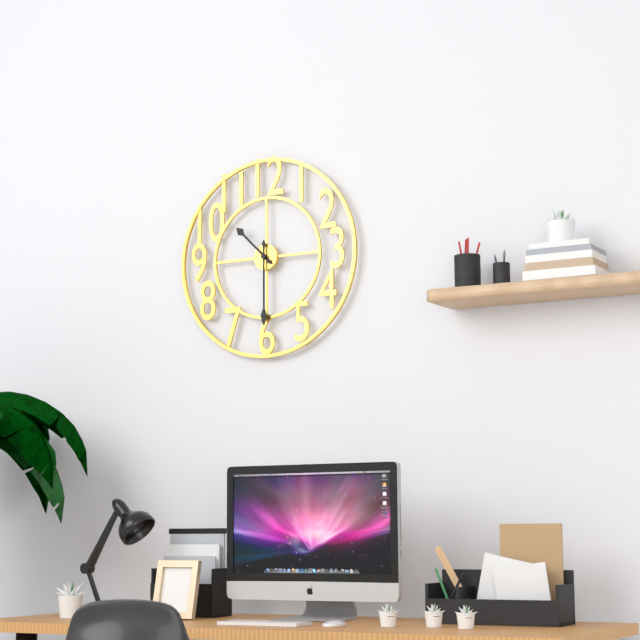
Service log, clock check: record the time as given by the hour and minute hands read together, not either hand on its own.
10:30
